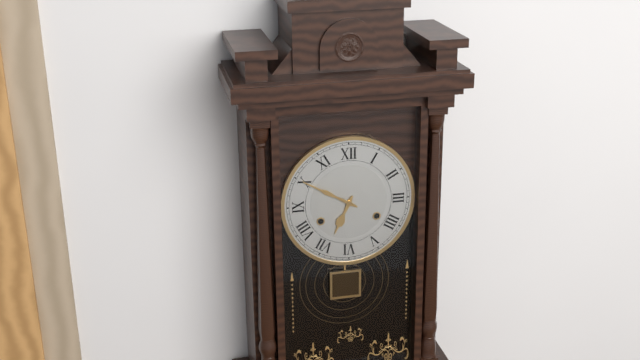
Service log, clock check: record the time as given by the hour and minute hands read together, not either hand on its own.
6:50
